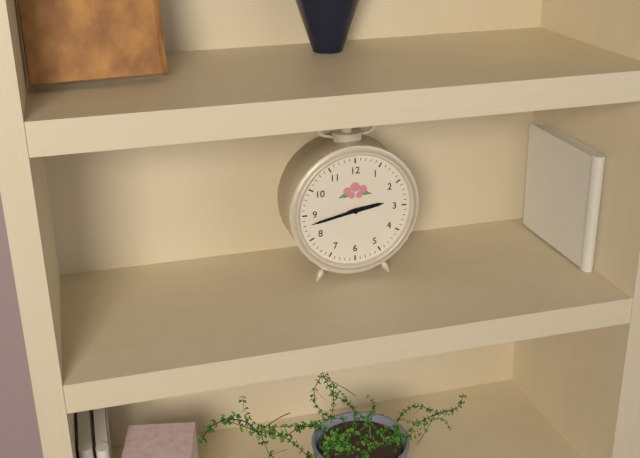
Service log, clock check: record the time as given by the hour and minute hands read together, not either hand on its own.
2:43
